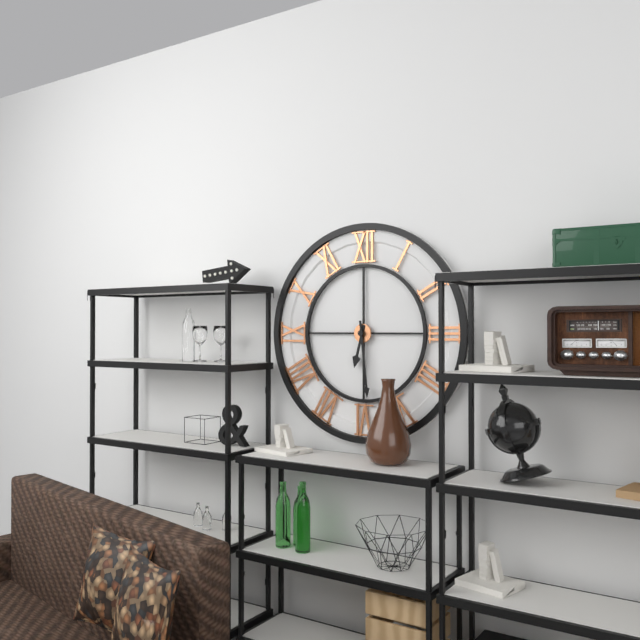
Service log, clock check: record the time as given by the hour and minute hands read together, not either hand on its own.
6:29
